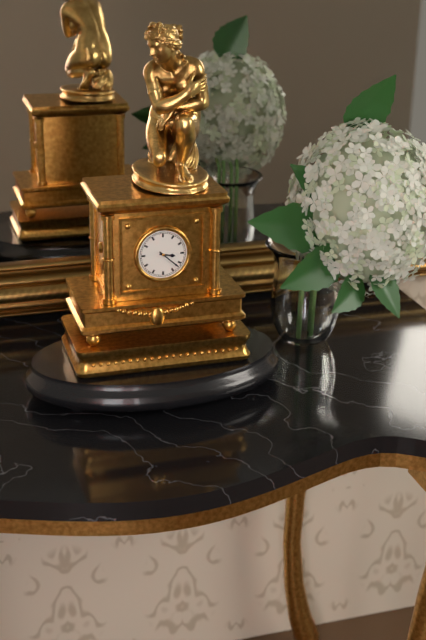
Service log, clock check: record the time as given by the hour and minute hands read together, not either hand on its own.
3:22
